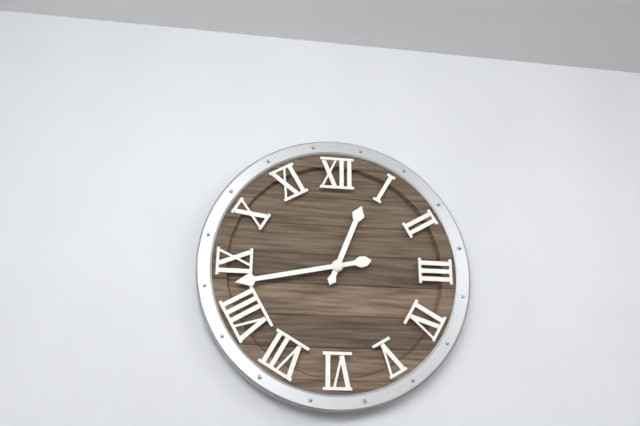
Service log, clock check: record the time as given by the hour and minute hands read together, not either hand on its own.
12:43
